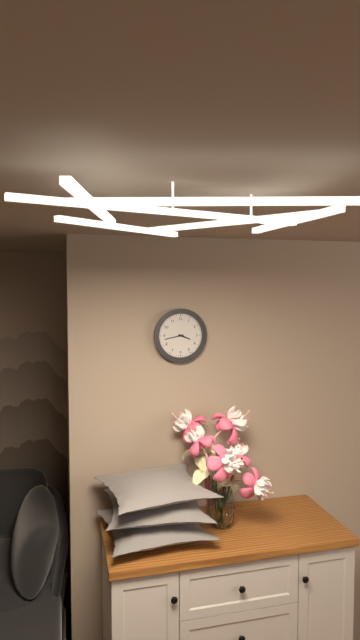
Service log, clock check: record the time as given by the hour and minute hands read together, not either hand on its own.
3:43
